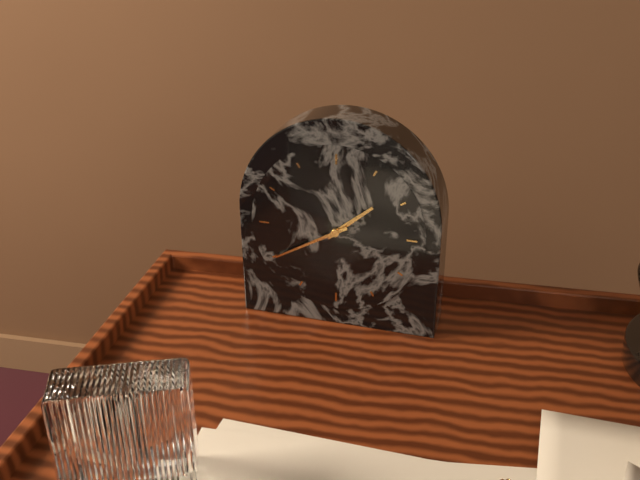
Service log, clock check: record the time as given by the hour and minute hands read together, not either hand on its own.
1:40
